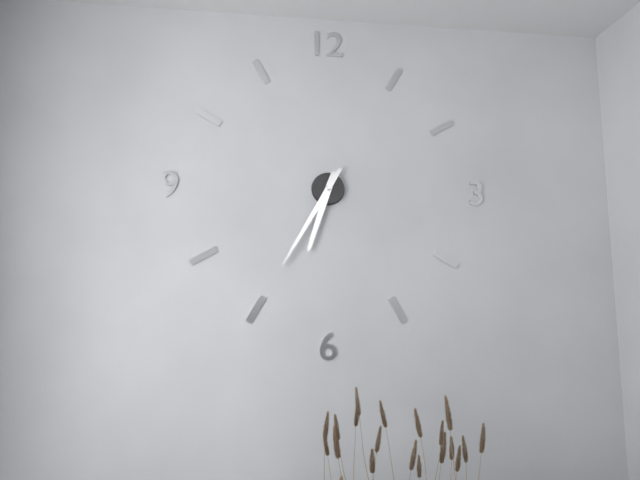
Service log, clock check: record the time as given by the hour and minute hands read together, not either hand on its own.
6:35
